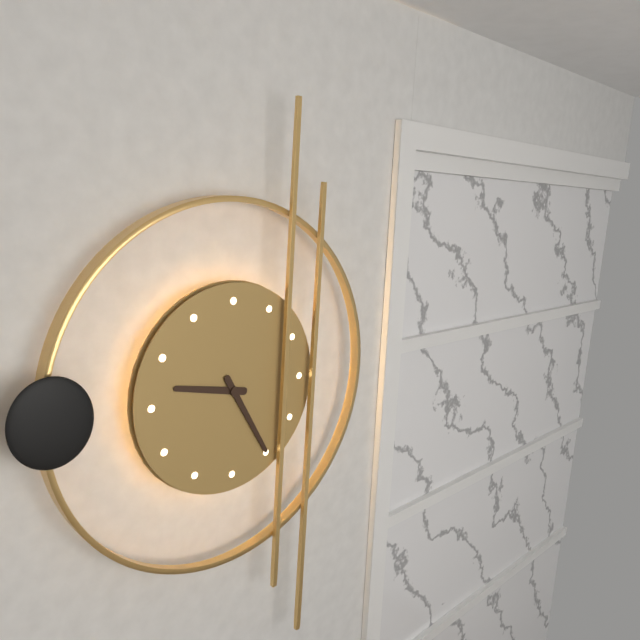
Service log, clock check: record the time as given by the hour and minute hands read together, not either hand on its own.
9:25
